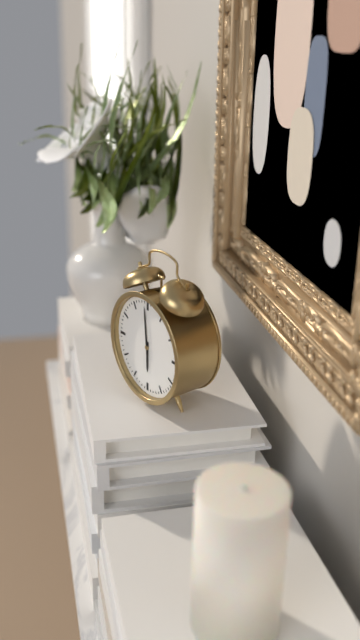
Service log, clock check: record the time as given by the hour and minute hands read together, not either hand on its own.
5:59
